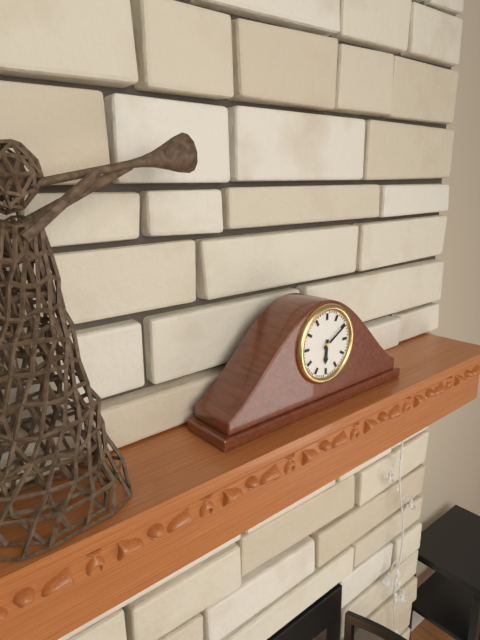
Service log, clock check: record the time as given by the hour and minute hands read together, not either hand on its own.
6:10
